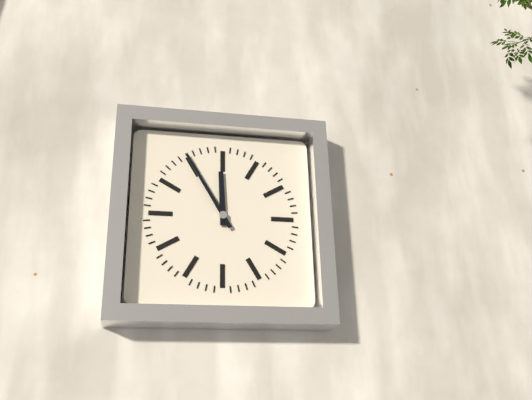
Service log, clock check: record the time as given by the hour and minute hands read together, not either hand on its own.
11:55
